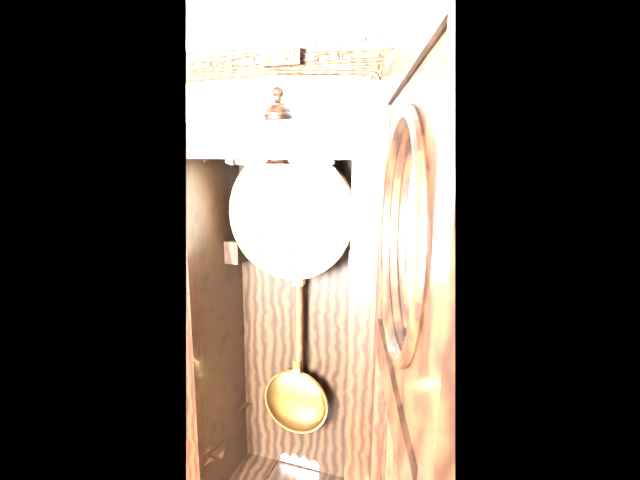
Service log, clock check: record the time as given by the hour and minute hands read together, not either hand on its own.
1:05
